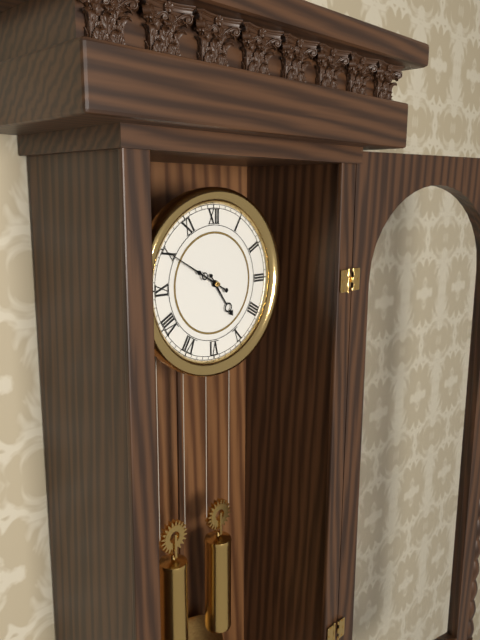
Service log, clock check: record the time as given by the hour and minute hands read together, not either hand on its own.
4:50
